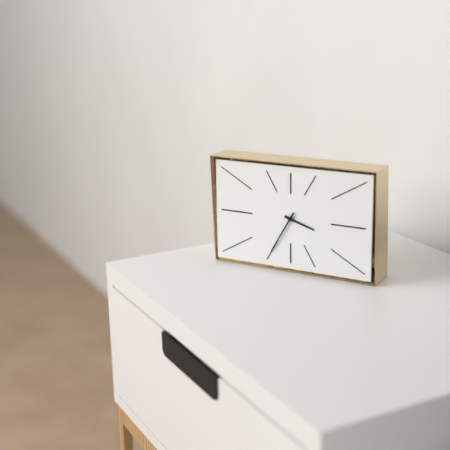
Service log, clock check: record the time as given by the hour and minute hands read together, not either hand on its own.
3:35
